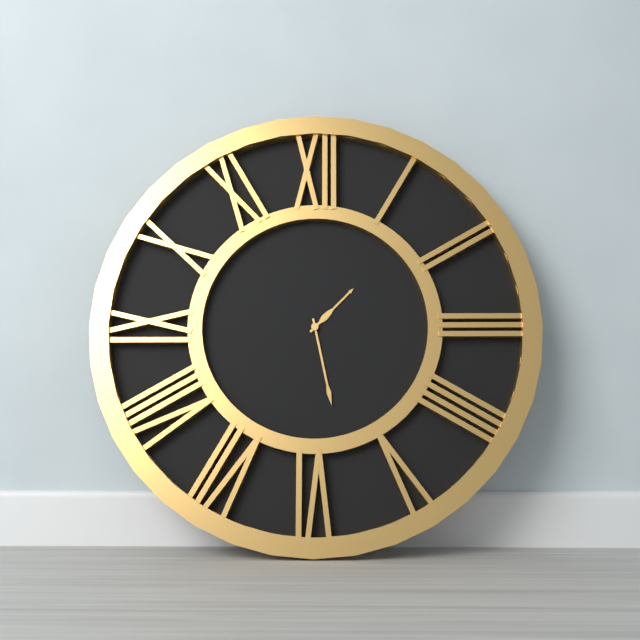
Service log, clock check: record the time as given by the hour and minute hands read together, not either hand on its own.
1:28
